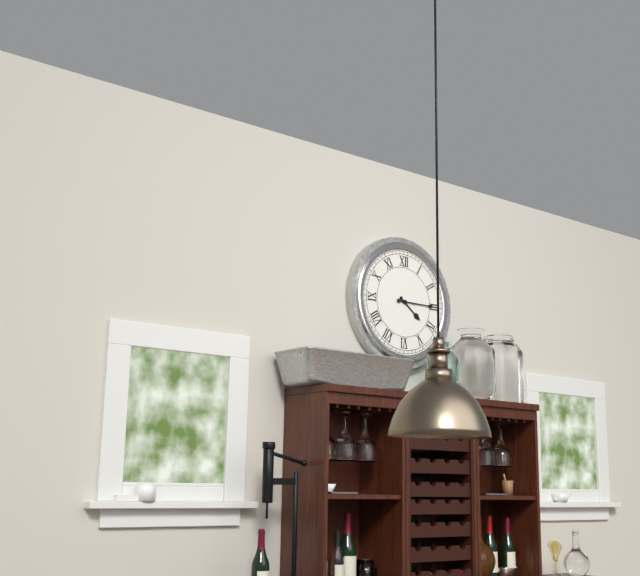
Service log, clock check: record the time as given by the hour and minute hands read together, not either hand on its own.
4:15
